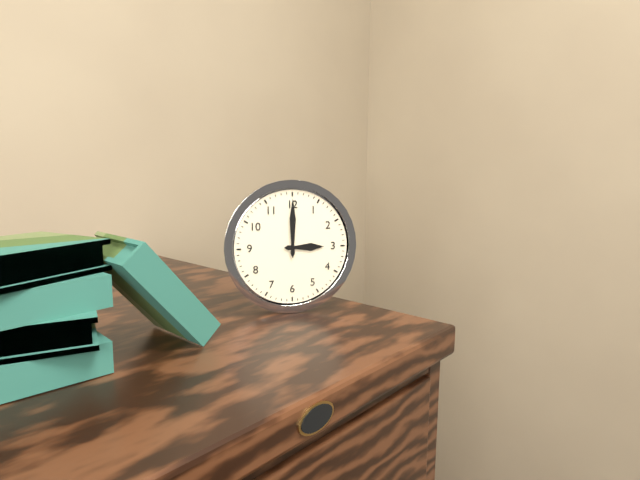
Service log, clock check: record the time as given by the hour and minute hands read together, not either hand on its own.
3:00
